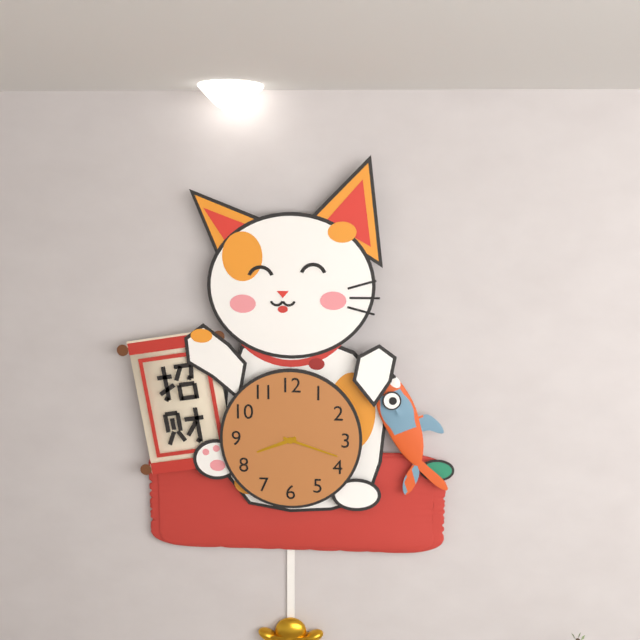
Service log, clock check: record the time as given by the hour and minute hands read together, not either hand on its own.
8:18
